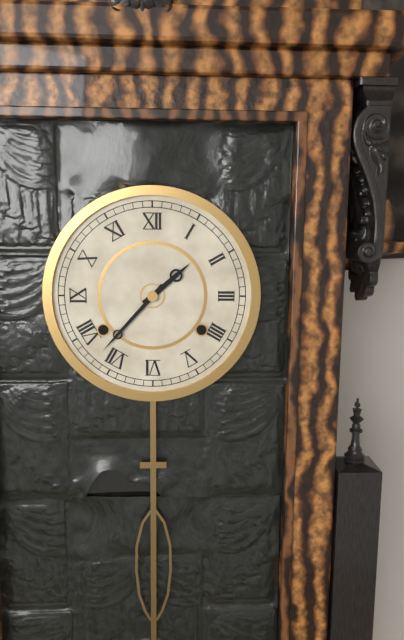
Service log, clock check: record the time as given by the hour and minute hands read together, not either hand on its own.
1:37
